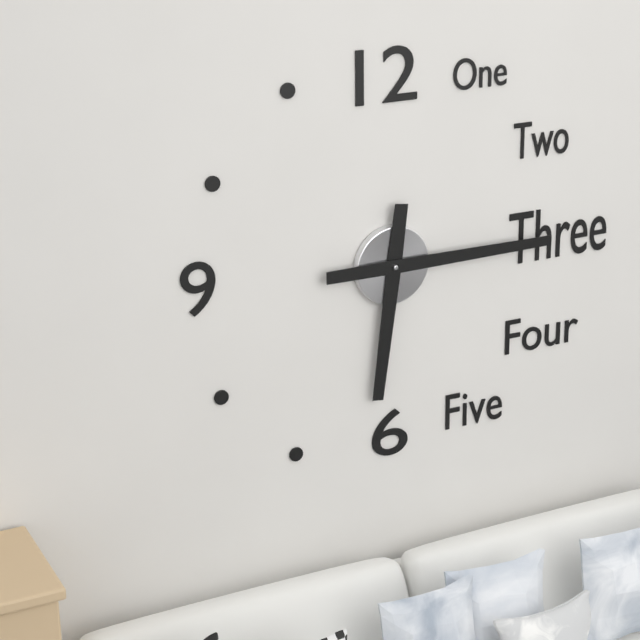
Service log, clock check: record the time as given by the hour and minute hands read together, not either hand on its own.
6:15
